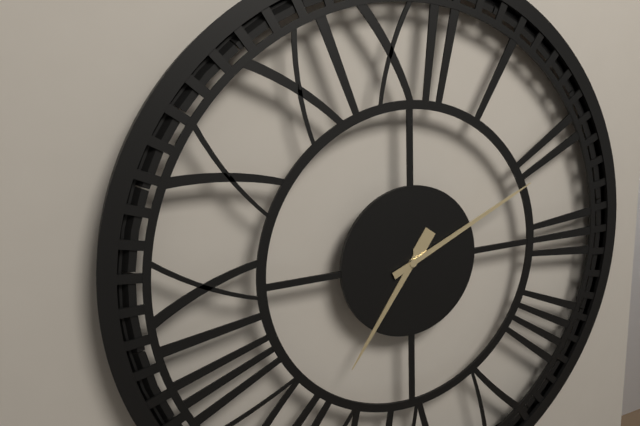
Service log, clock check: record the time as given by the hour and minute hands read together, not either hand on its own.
7:11
